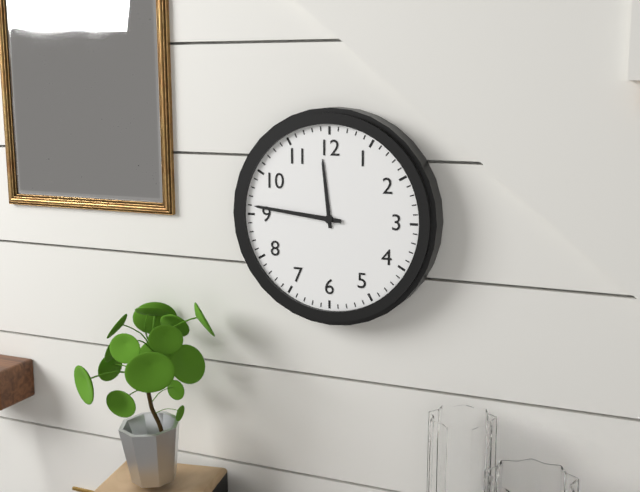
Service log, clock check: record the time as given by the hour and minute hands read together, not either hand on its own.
11:46
